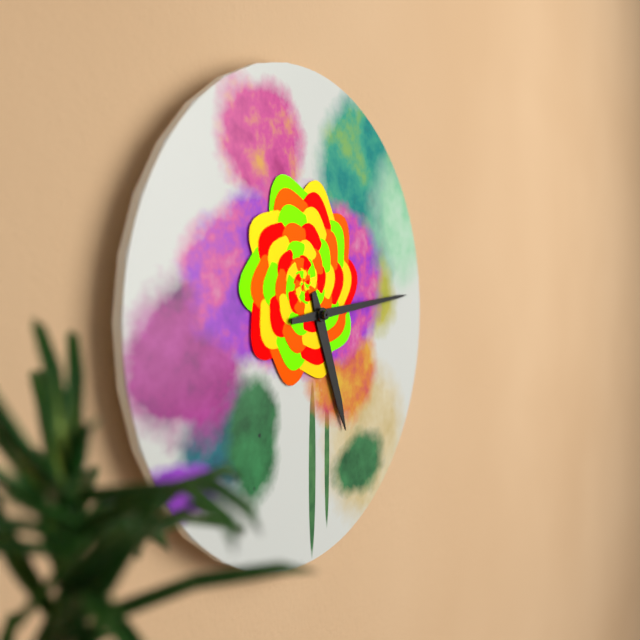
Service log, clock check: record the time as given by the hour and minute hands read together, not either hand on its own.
5:14
